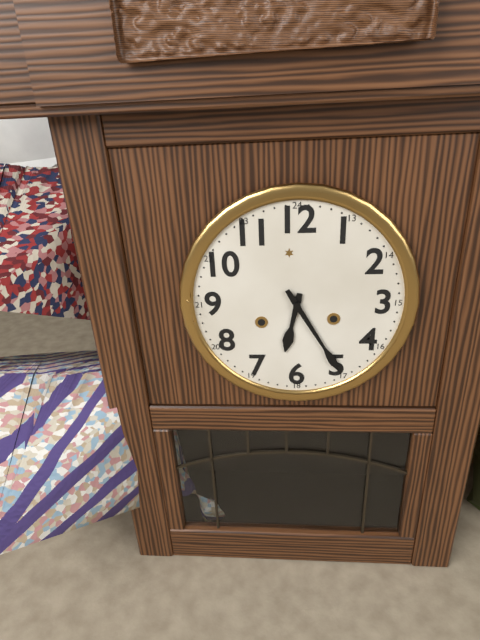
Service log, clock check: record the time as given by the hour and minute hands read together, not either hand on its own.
6:25
